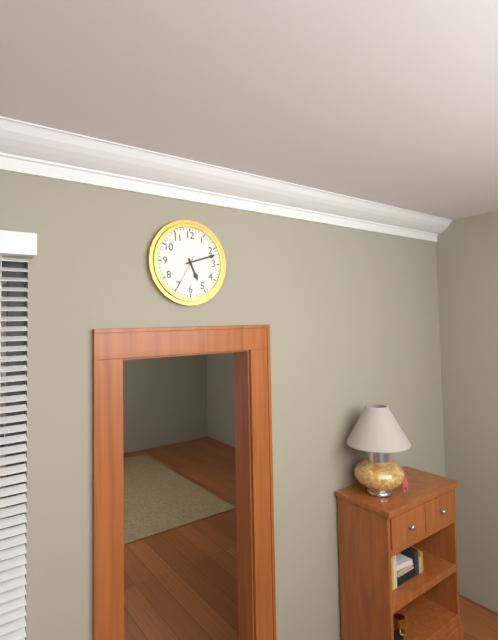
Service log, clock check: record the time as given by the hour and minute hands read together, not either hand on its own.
5:12
